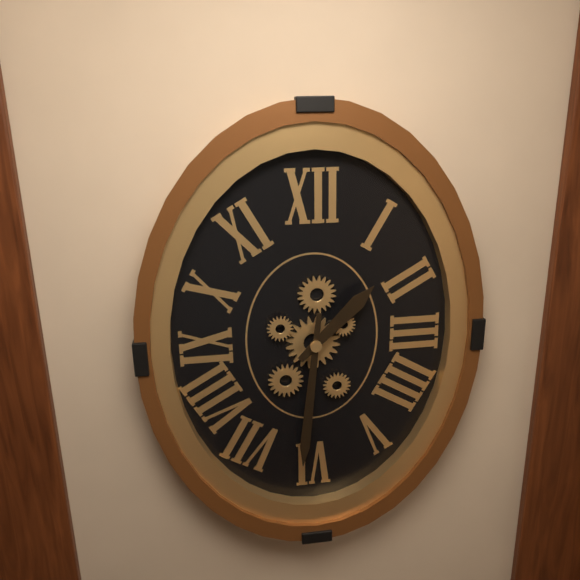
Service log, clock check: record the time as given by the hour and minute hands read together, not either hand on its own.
1:31
